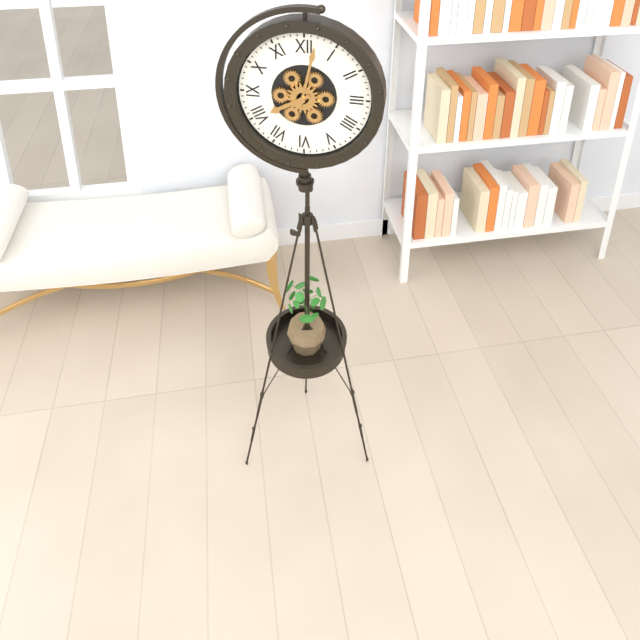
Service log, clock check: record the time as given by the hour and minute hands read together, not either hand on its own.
8:02
